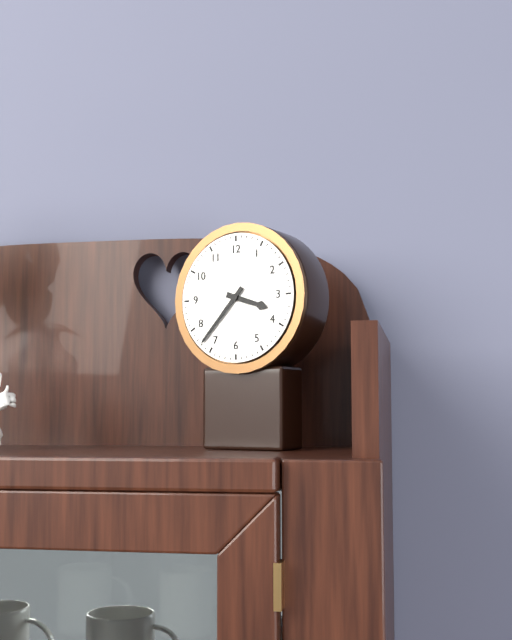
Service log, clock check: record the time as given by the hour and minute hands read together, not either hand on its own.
3:37
